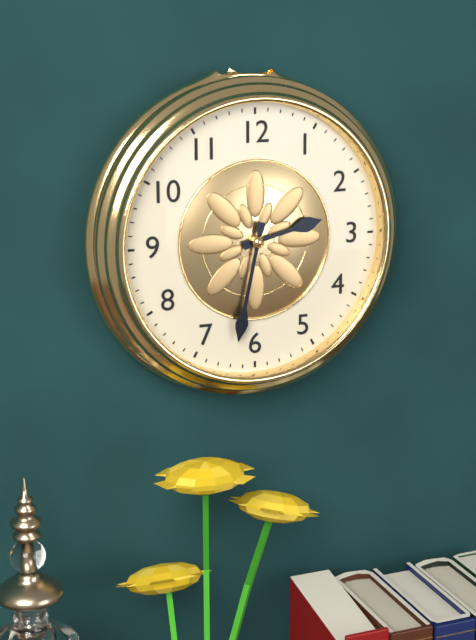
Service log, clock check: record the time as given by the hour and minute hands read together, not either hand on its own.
2:32
